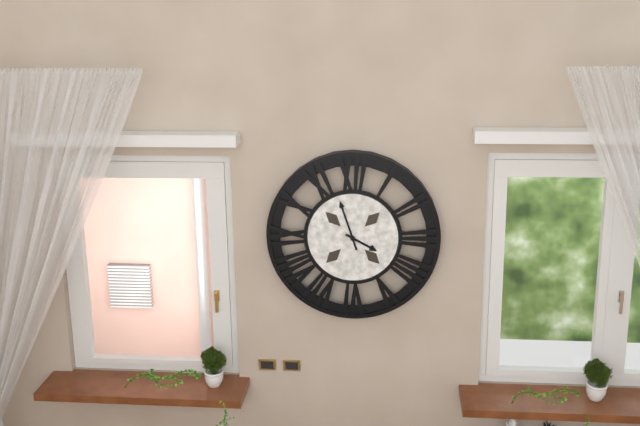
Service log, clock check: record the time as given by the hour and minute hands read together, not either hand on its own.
3:57
